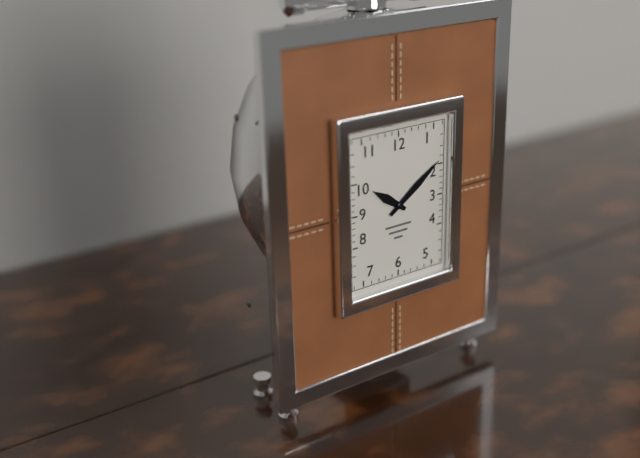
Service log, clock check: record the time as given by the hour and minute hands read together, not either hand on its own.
10:09
